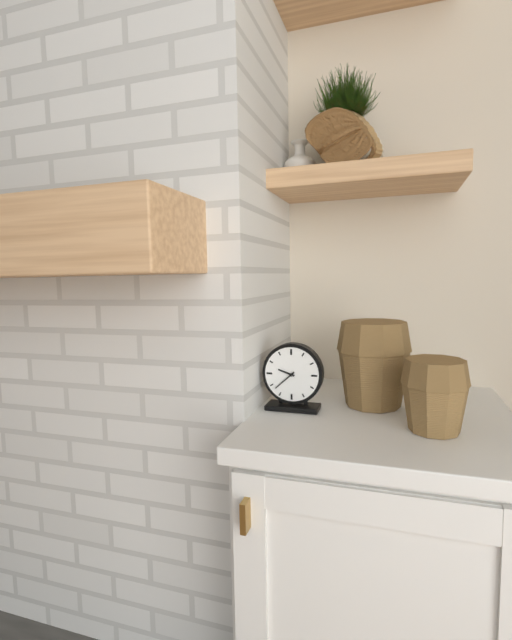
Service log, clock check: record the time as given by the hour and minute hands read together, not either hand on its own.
9:38
